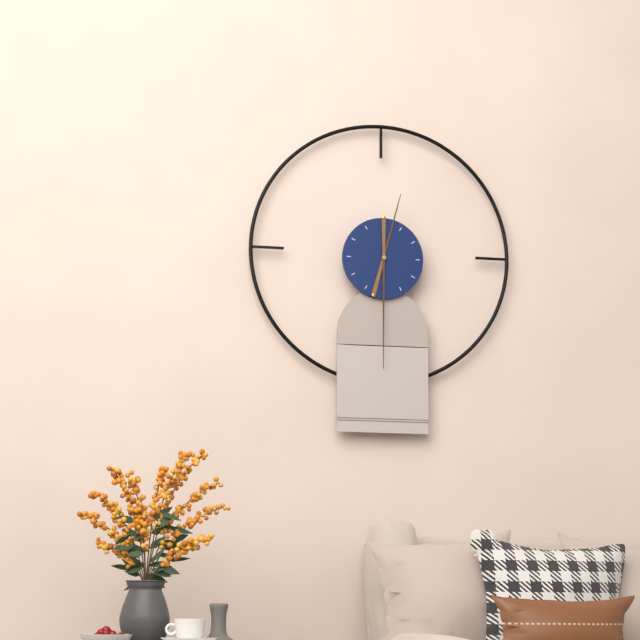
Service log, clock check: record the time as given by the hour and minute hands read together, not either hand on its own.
12:30
